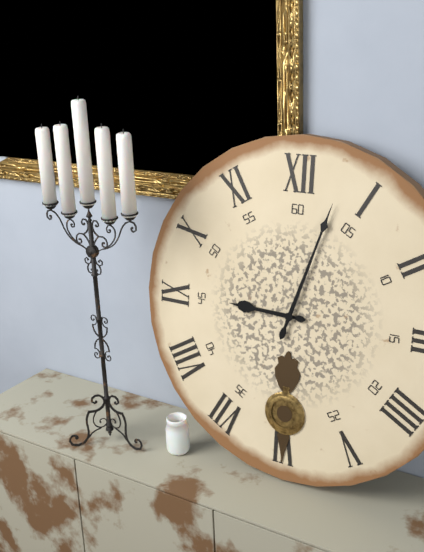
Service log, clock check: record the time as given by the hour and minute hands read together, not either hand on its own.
9:03
